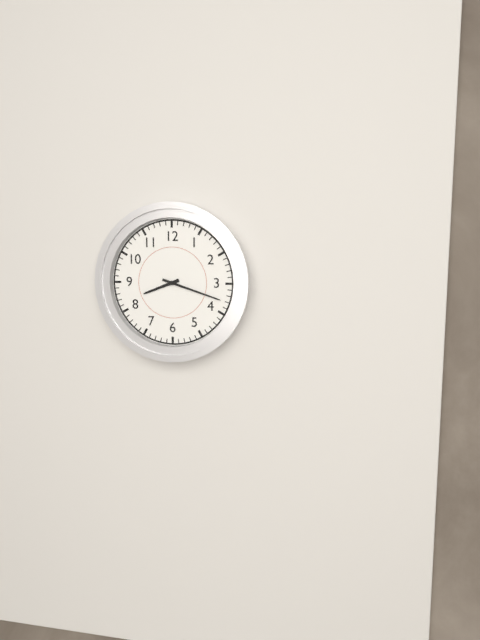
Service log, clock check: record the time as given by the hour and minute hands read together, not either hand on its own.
8:18
